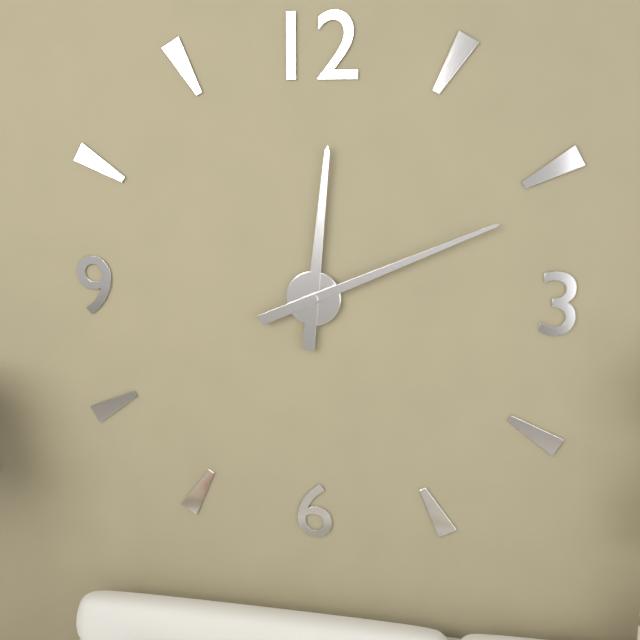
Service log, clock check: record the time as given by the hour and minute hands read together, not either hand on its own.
12:11
